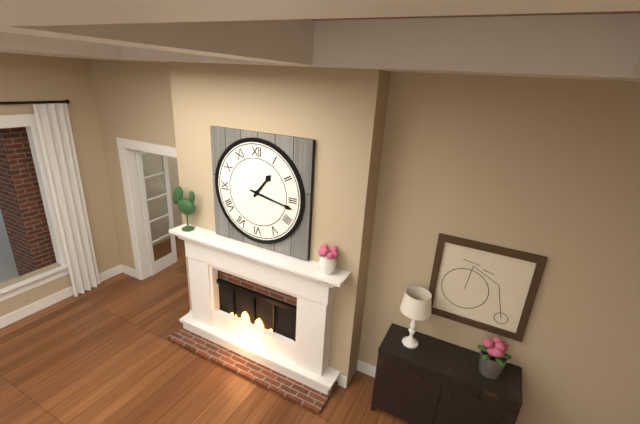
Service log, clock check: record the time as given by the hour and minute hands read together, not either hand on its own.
1:17
